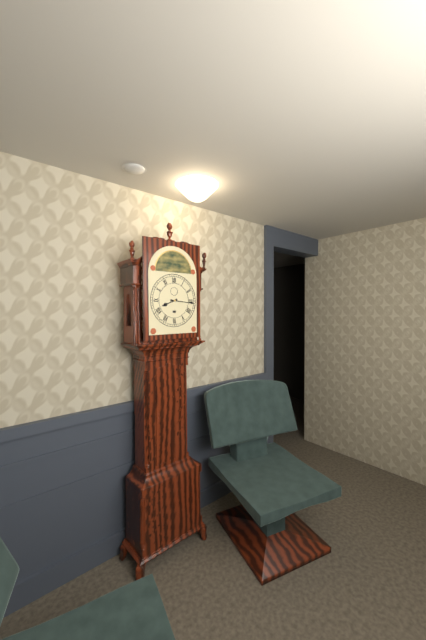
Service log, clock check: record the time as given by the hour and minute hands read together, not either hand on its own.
8:16
